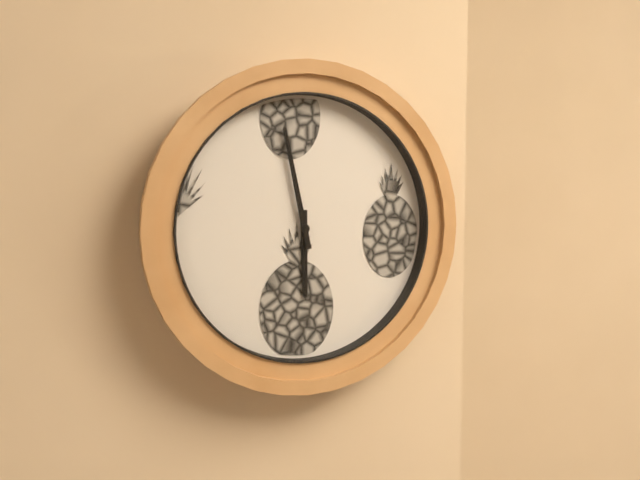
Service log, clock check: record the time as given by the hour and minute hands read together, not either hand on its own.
5:58
